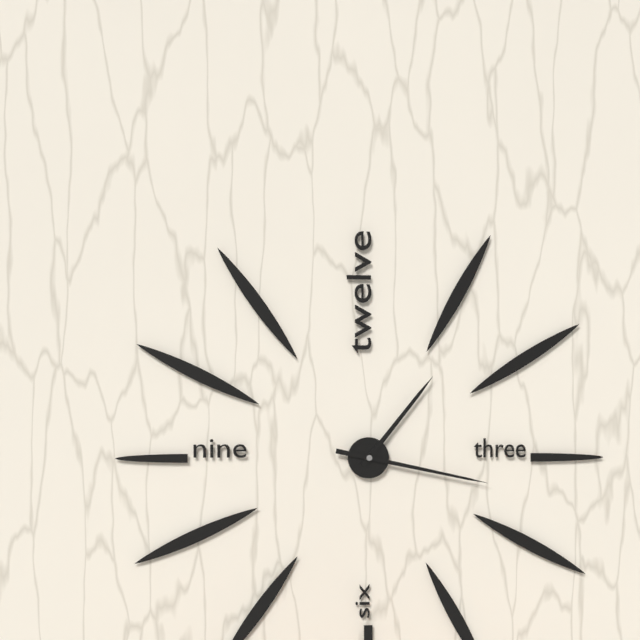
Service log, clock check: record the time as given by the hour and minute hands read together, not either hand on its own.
1:17
